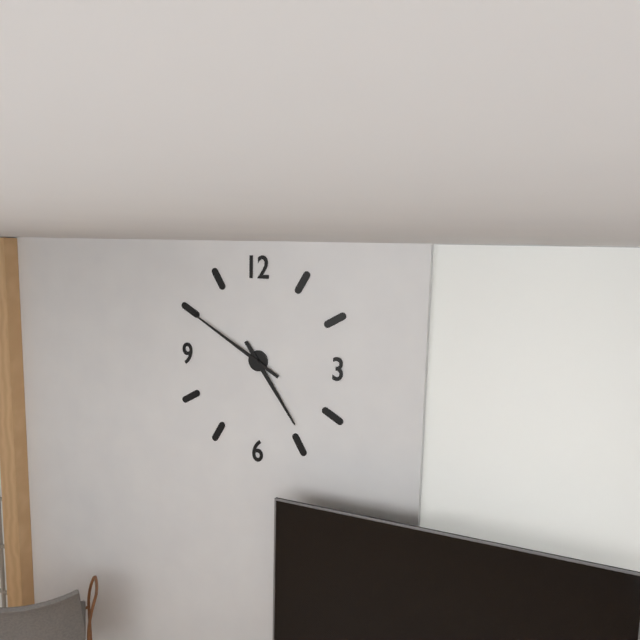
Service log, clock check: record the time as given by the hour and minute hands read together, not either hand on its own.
4:50
